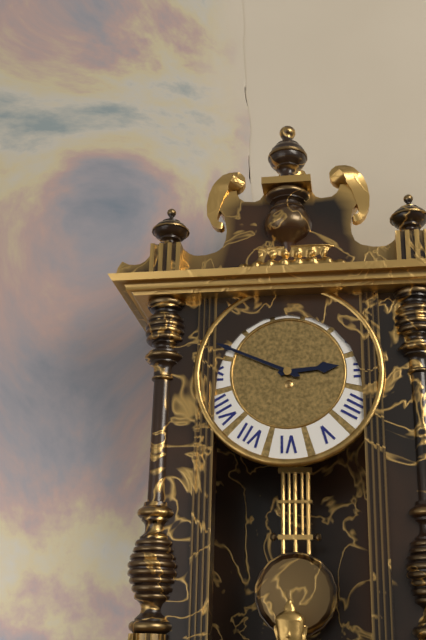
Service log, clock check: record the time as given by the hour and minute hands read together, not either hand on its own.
2:49
